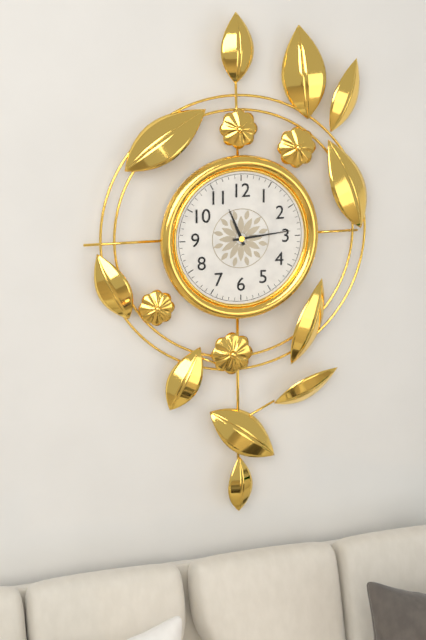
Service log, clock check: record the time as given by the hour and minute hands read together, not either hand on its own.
11:14
